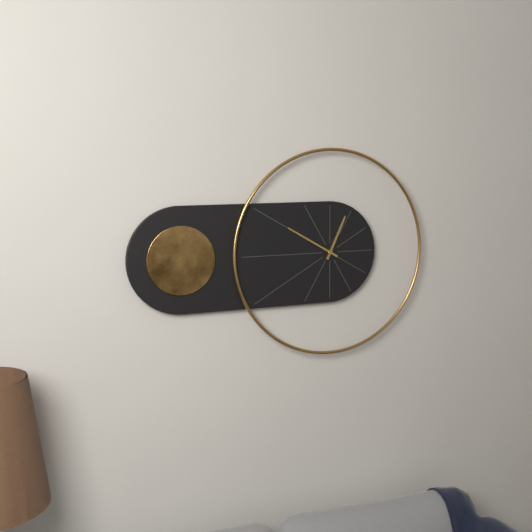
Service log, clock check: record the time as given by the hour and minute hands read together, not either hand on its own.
12:50
